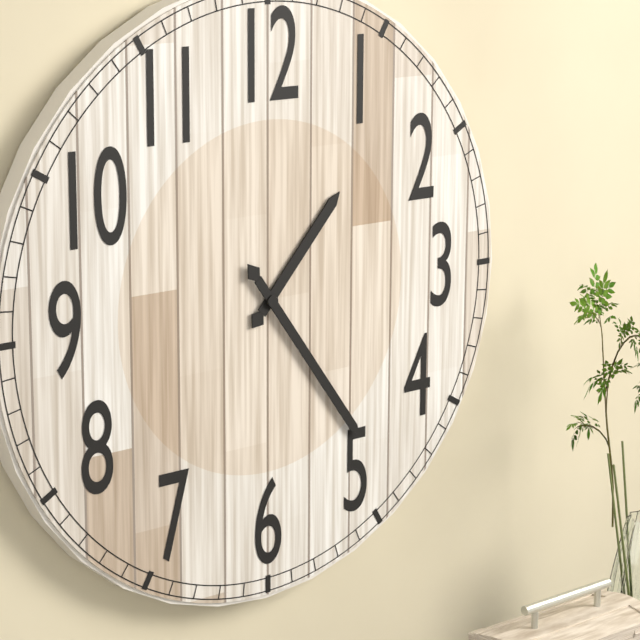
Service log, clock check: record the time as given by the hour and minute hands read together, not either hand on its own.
1:24
